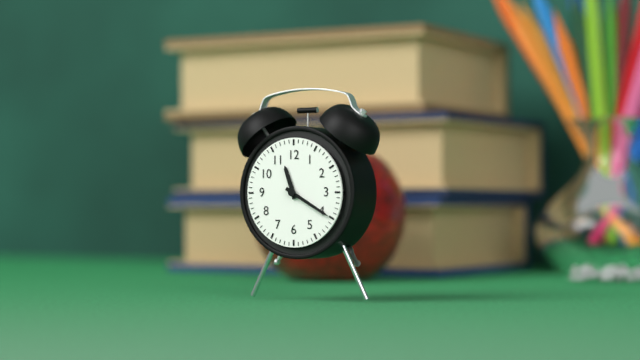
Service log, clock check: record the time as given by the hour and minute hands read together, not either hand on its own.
11:20
